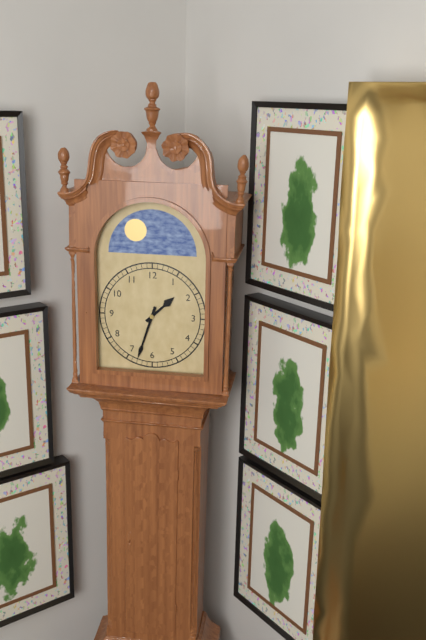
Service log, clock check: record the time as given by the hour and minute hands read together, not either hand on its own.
1:33
